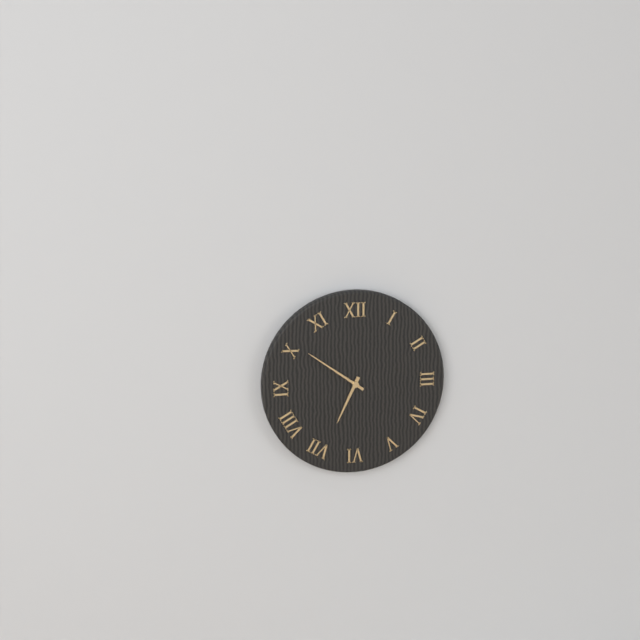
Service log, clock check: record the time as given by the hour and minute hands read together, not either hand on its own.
6:51
